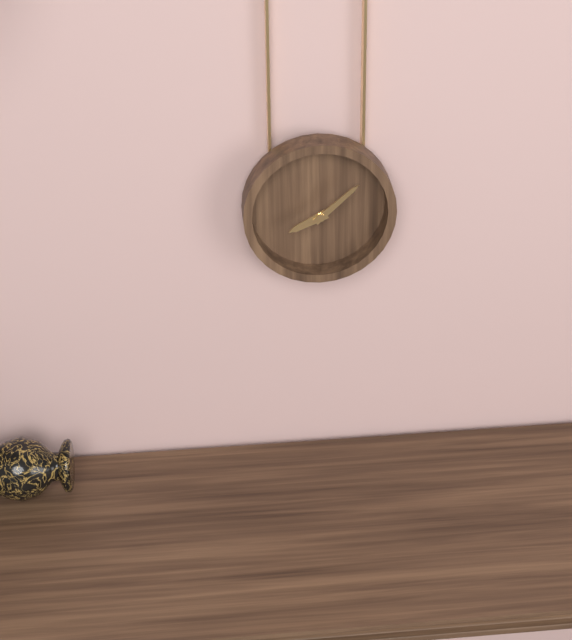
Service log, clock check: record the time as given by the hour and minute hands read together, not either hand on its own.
8:08
